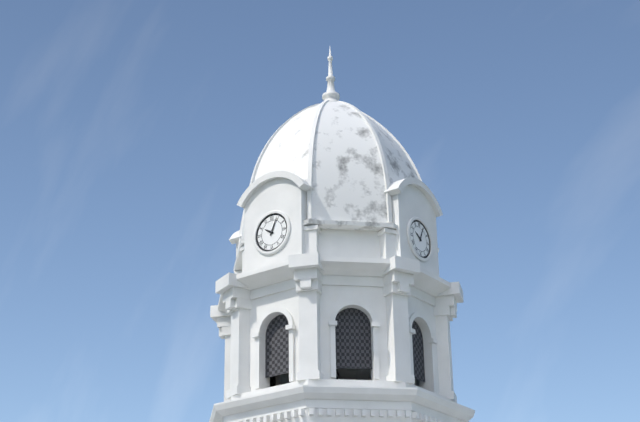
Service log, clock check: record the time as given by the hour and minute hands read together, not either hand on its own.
10:04
